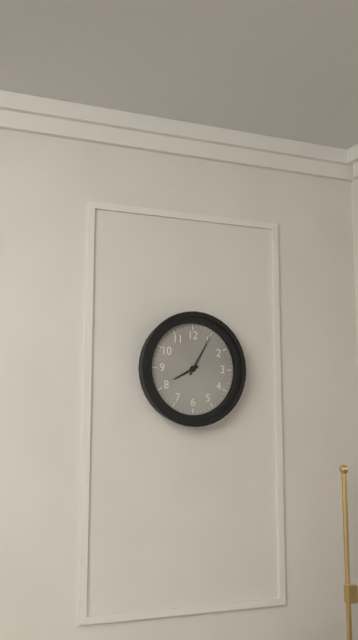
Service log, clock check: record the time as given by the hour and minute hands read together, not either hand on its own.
8:05
